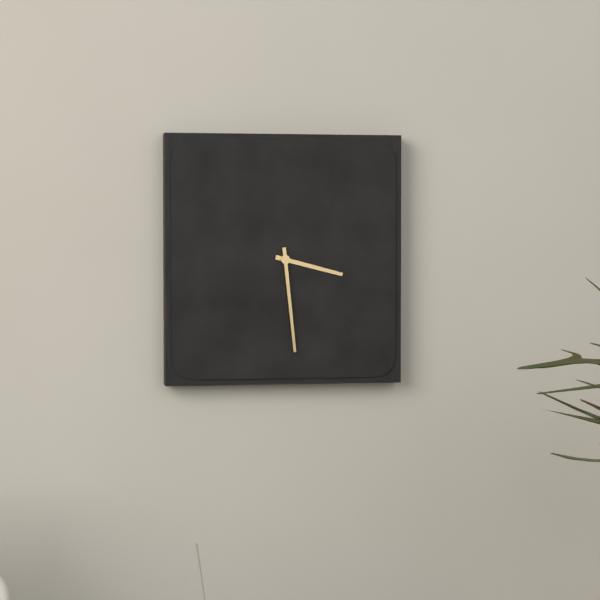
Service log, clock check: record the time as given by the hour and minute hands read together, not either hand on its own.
3:29
